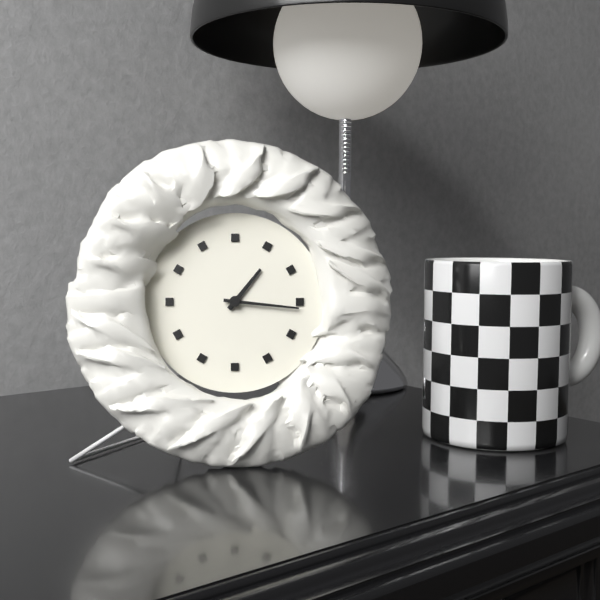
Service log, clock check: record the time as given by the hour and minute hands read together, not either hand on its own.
1:16
